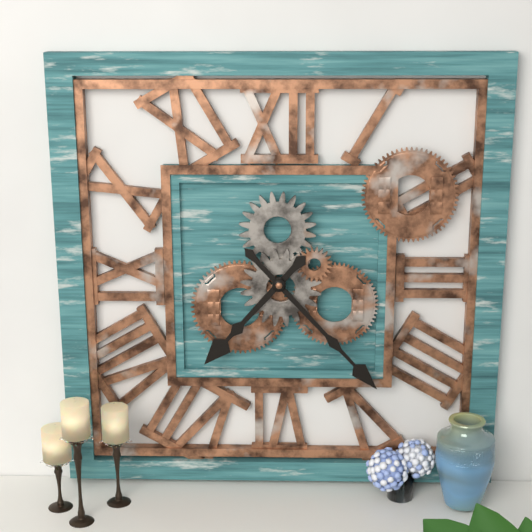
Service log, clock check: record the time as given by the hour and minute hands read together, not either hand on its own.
7:23
